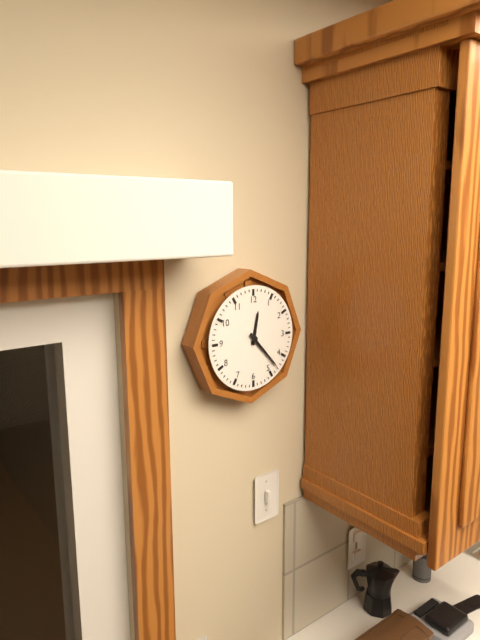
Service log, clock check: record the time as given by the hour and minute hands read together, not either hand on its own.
12:23
